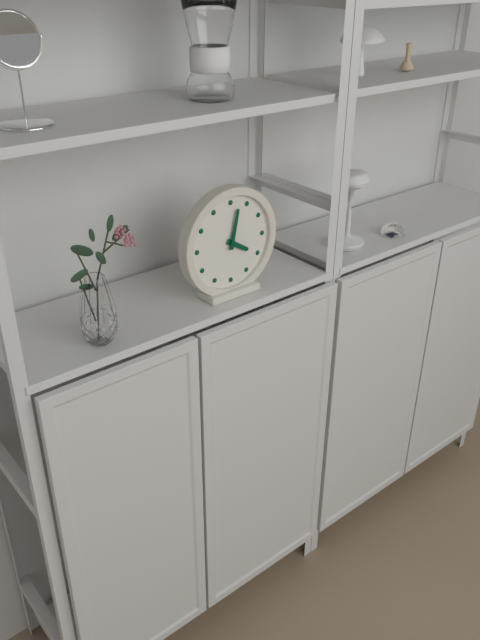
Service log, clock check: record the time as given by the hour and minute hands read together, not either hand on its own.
4:02
